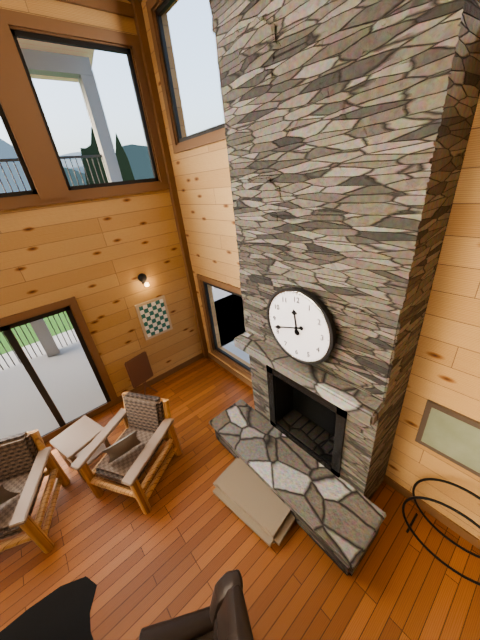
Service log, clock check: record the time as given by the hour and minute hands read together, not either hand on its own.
11:42
